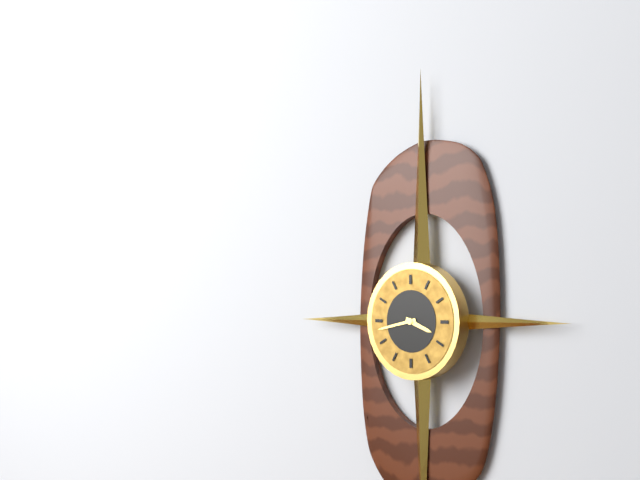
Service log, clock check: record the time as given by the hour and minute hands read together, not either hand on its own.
3:43
